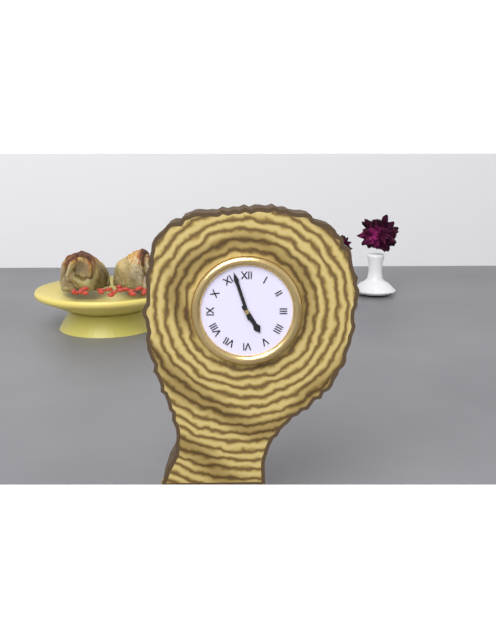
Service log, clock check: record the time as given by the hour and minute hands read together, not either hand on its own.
4:57
